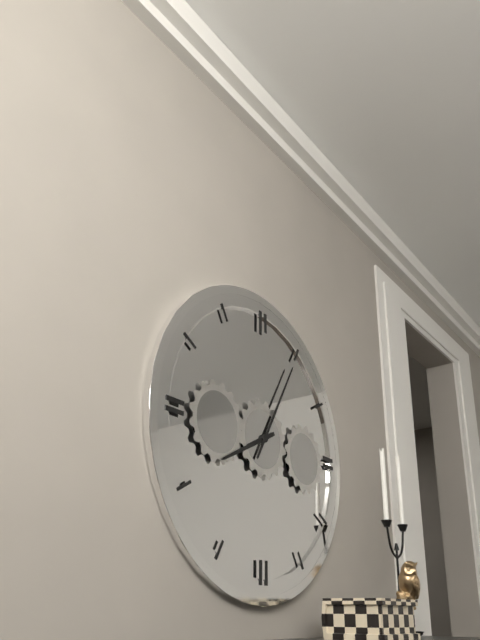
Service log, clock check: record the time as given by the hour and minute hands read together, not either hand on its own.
8:05
